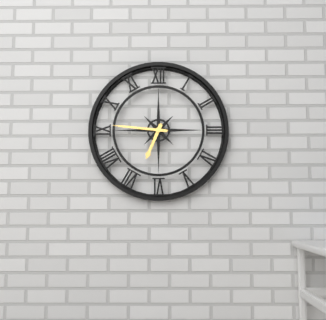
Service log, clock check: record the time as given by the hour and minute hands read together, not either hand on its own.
6:46
